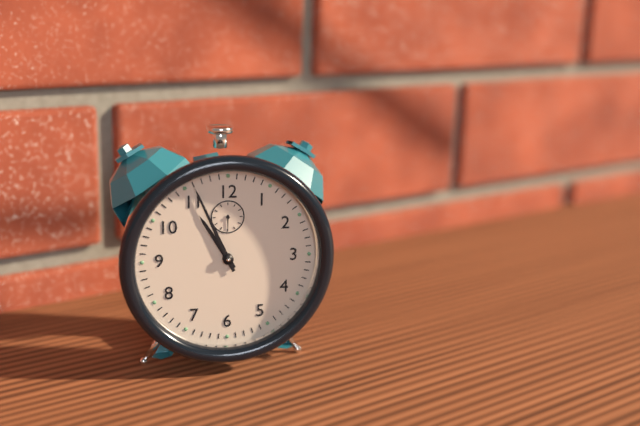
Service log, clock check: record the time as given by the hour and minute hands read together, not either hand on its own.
10:56
